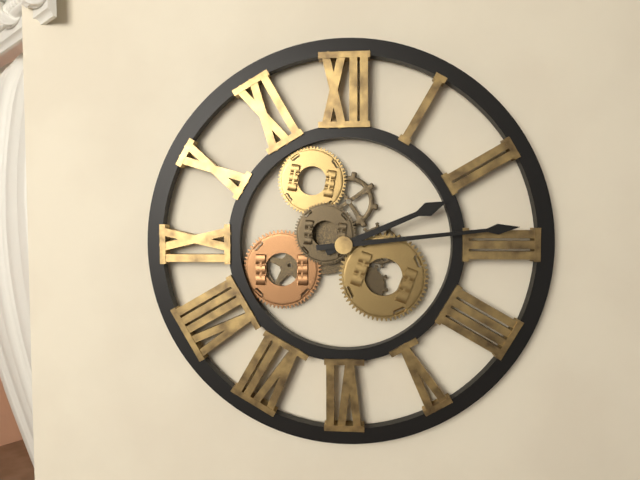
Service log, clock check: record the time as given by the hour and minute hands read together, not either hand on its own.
2:14
